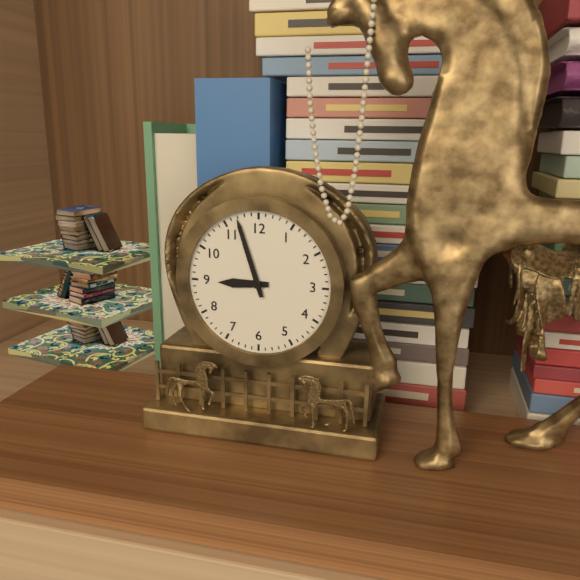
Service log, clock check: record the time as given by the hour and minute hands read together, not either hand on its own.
8:57
